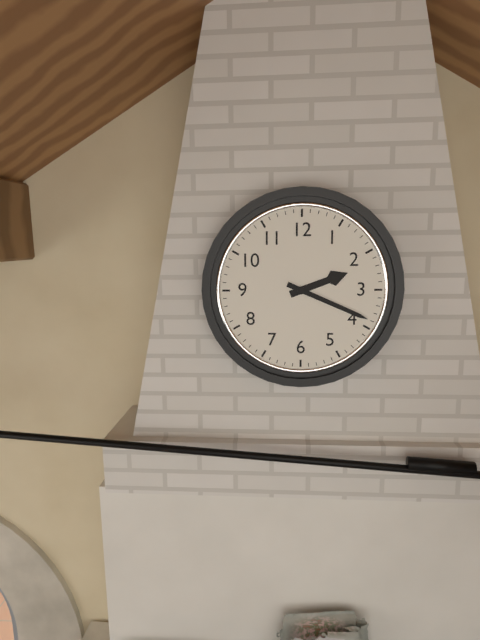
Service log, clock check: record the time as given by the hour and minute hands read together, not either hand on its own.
2:19
